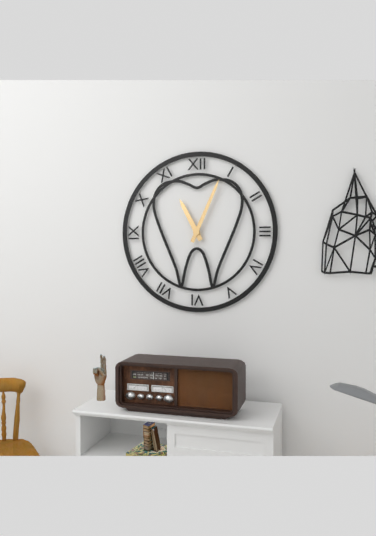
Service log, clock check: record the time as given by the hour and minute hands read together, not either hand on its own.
11:04
